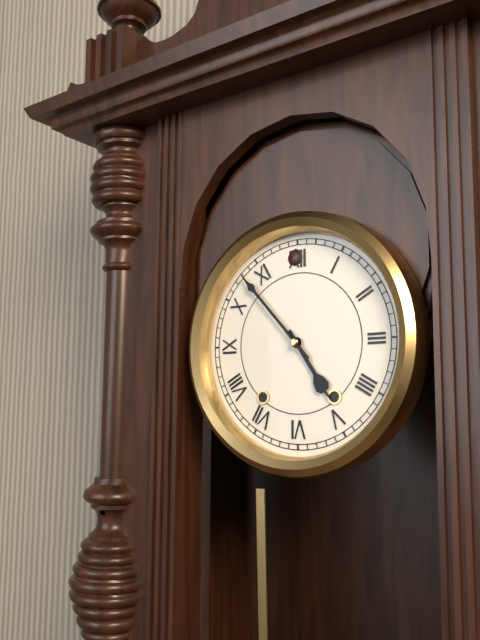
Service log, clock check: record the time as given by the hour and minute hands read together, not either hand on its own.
4:53
